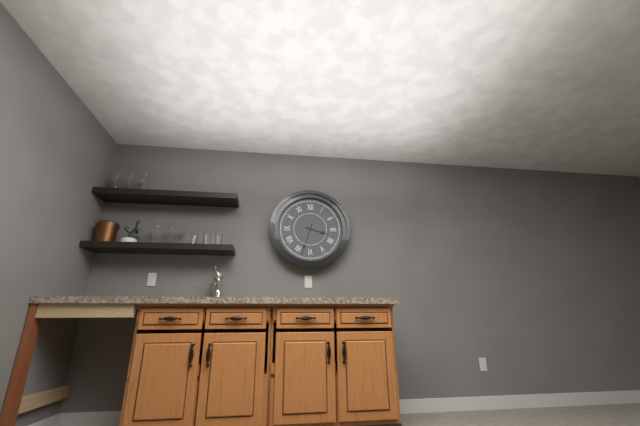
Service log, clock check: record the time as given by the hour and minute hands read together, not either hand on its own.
3:33
